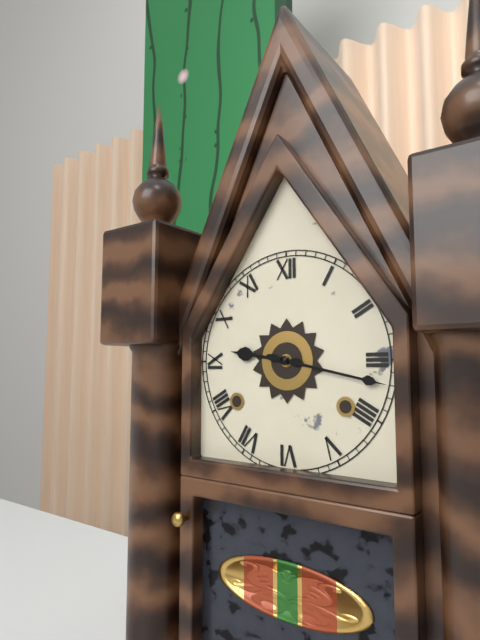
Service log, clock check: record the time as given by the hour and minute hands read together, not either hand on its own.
9:17
